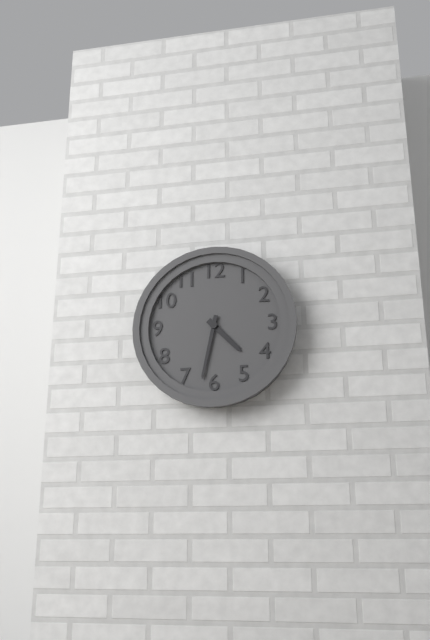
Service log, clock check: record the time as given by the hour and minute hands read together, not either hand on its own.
4:32
